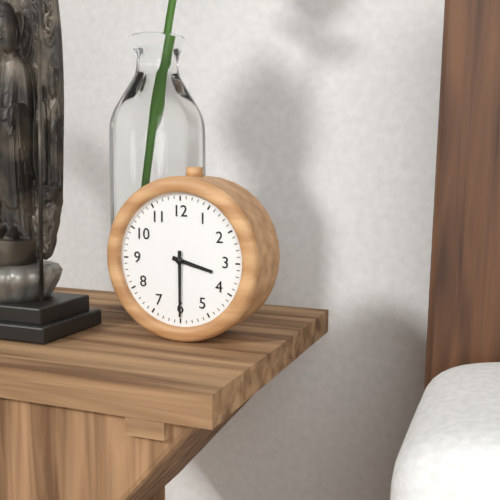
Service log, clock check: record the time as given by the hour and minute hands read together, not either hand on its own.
3:30
